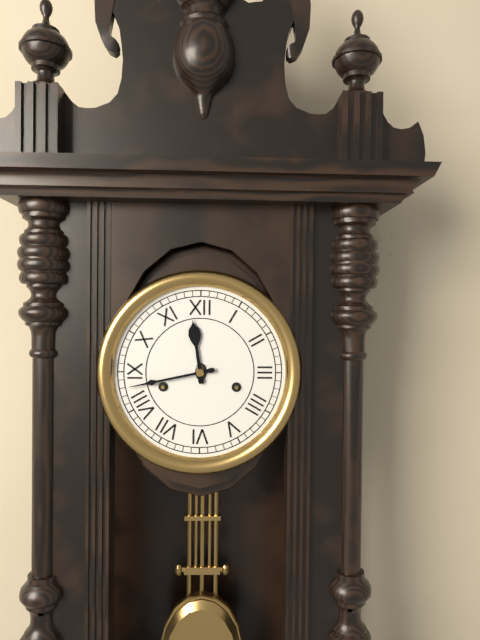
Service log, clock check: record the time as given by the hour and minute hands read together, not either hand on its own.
11:43
